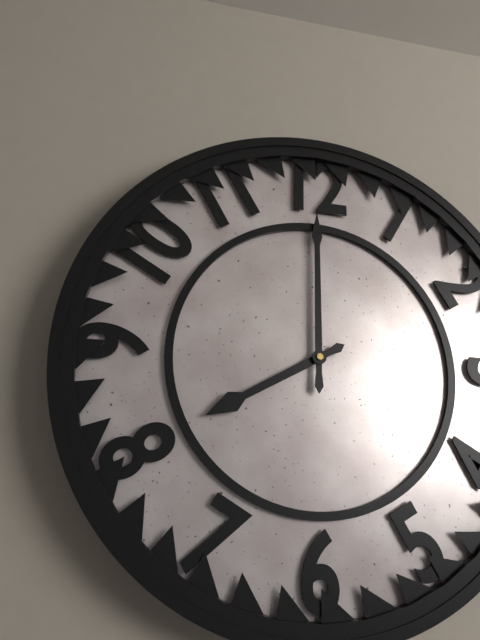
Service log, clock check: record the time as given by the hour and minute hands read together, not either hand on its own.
8:00
